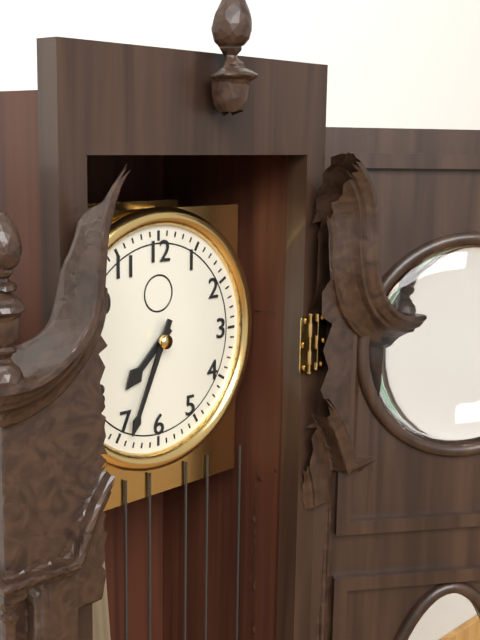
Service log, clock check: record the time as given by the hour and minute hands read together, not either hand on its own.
7:34
